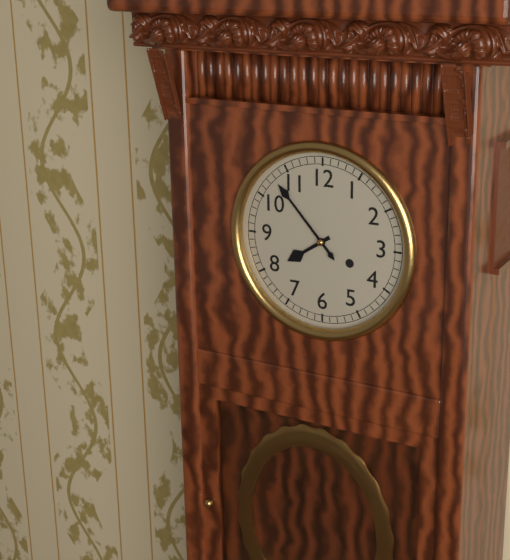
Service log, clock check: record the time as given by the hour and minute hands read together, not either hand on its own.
7:53
